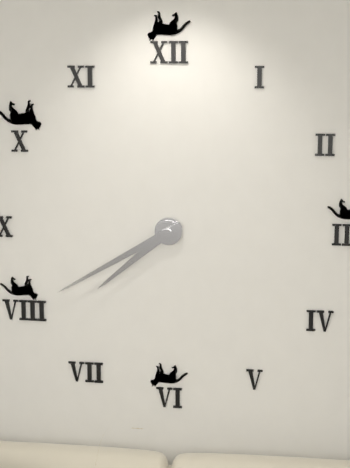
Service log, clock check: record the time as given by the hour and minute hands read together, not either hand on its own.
7:40
